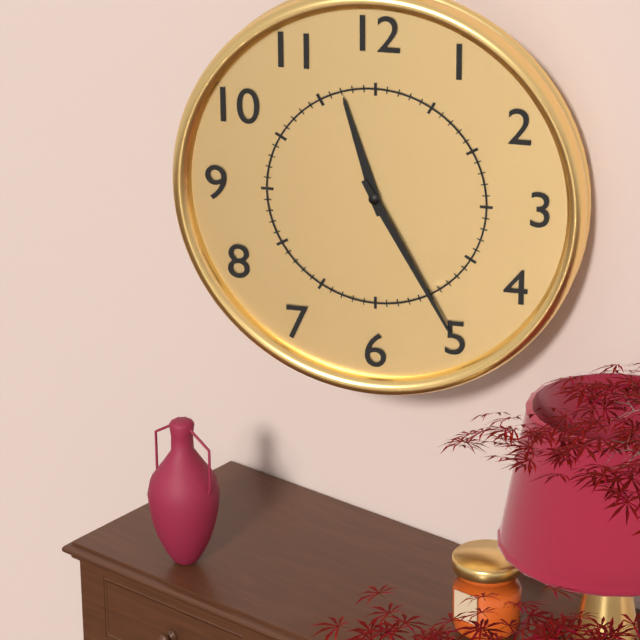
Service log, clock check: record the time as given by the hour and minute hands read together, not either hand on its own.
11:25
